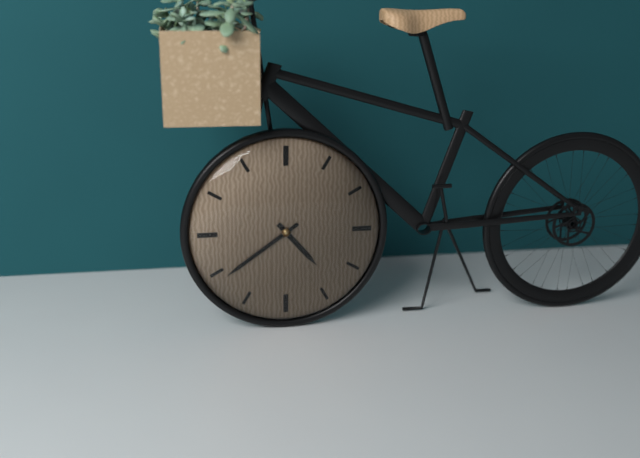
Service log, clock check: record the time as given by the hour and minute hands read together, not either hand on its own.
4:39
